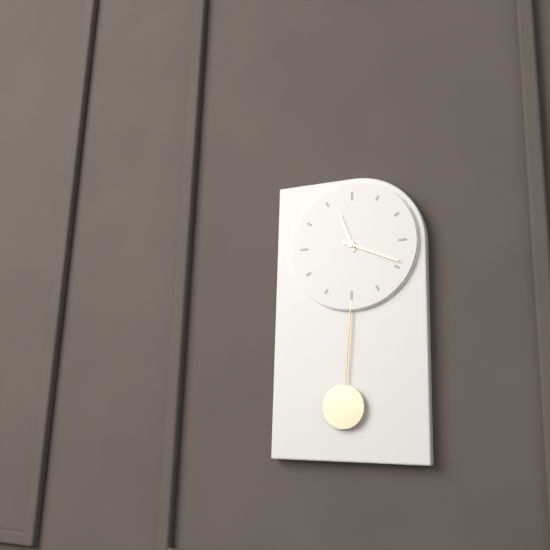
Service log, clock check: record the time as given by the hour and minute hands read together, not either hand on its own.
11:19
